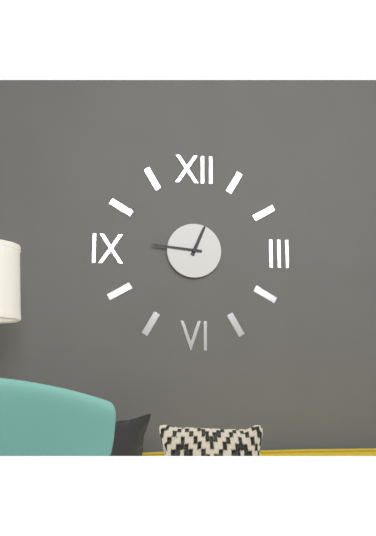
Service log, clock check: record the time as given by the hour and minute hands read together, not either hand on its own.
12:46
